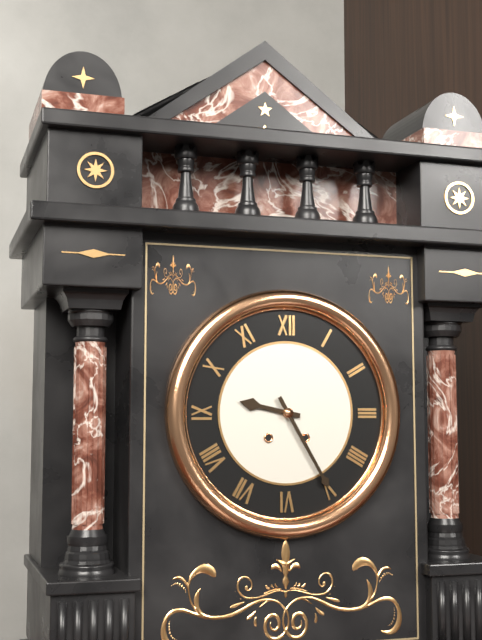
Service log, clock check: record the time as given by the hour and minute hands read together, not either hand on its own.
9:25
